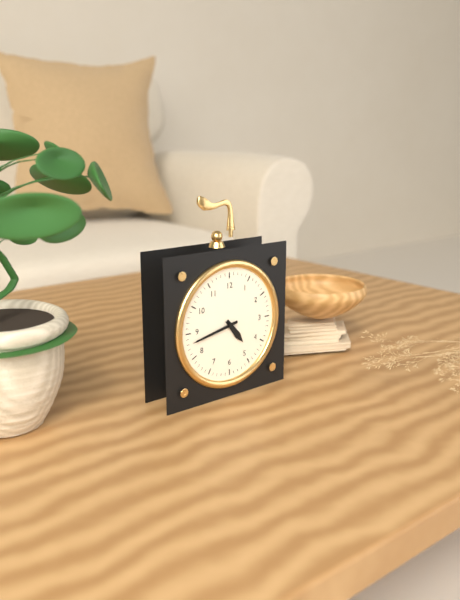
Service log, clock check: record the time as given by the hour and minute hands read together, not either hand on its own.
4:43
